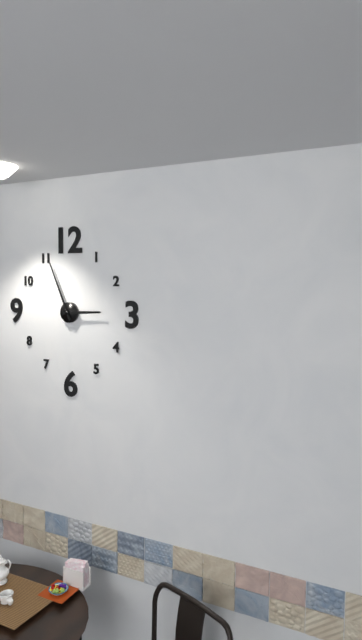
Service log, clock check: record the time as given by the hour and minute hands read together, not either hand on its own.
2:56
